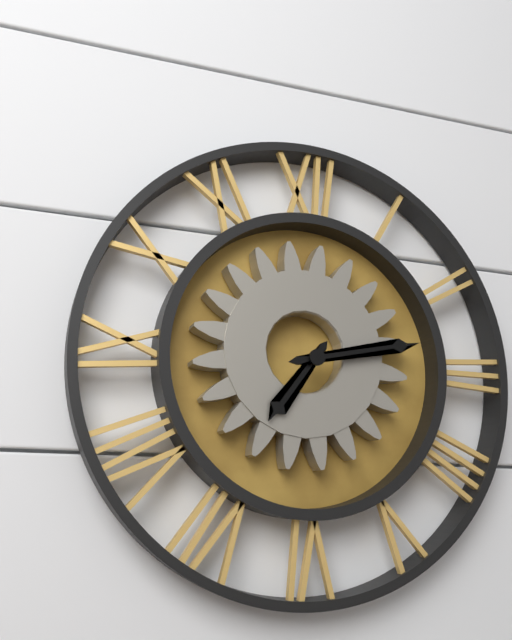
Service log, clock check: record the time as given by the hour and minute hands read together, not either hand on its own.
7:13
